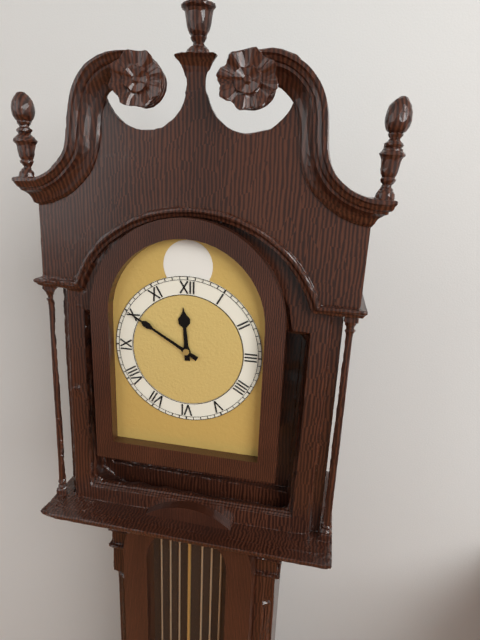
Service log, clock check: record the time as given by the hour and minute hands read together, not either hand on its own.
11:50
